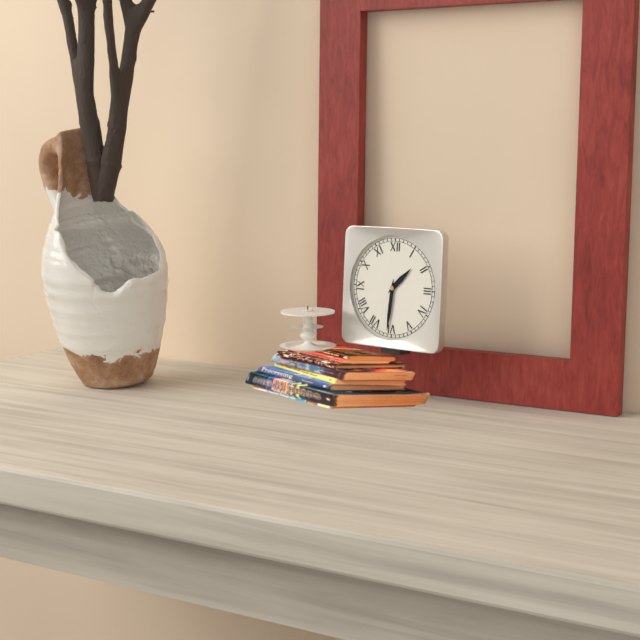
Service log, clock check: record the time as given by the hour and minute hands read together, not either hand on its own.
1:31
